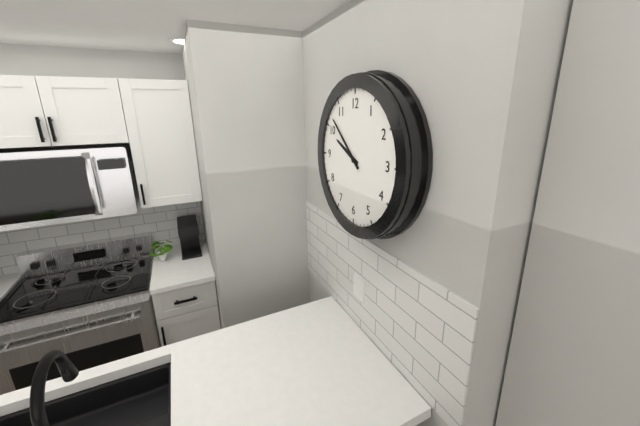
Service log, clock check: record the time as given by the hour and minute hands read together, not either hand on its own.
9:52
